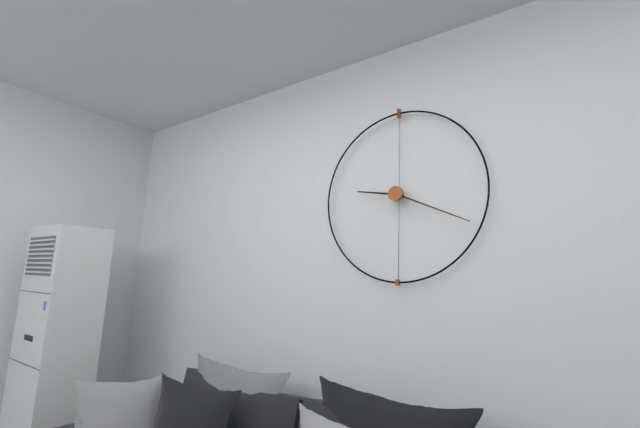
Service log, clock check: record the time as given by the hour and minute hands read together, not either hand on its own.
9:19
